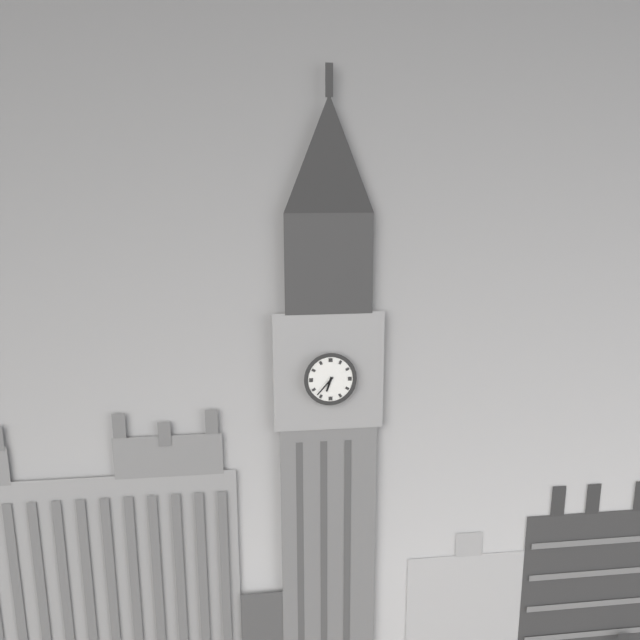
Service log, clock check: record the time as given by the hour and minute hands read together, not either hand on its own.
6:37
